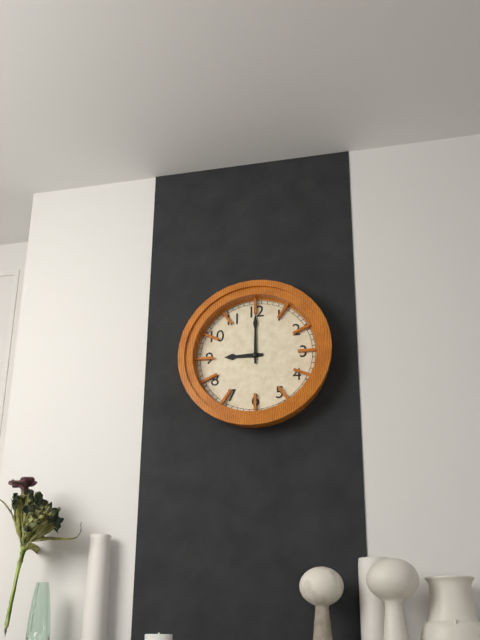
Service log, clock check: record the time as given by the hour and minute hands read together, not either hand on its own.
9:00
